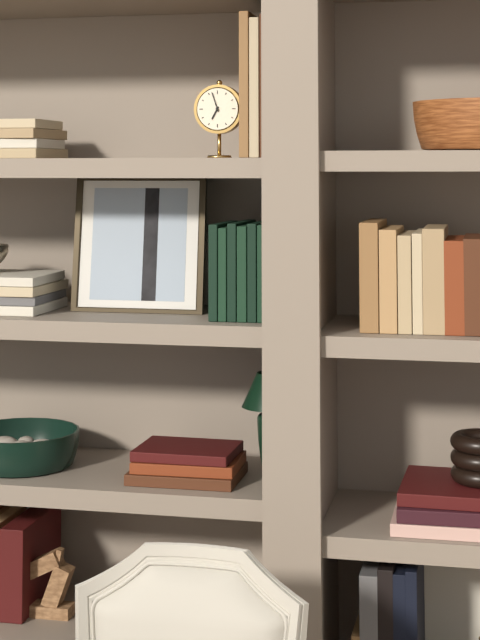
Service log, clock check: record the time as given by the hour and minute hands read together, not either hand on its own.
6:57
